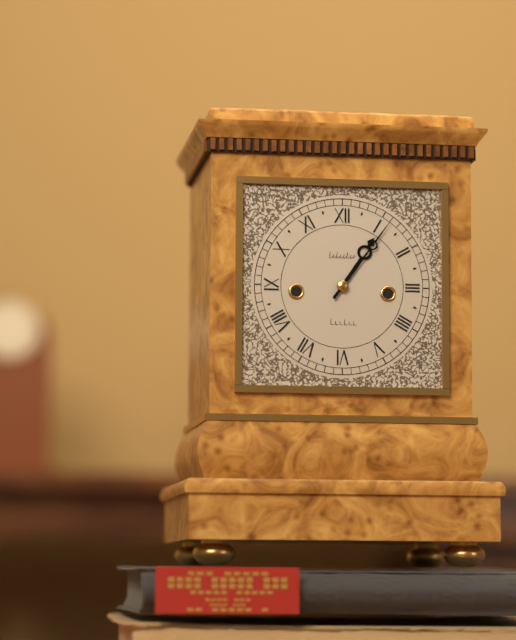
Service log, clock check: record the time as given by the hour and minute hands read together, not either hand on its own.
1:06
